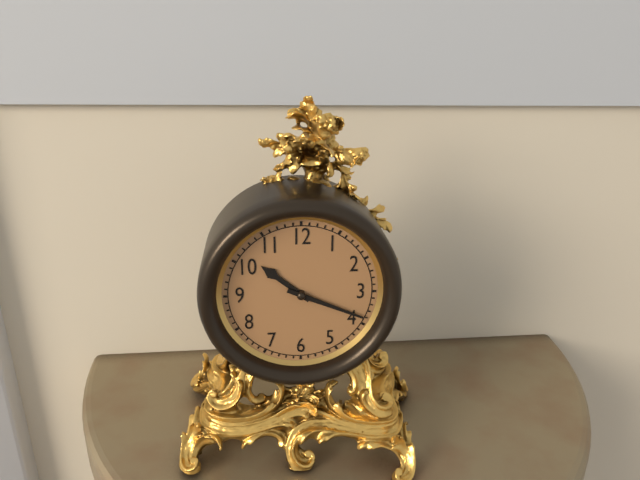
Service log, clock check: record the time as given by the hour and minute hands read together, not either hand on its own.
10:19
